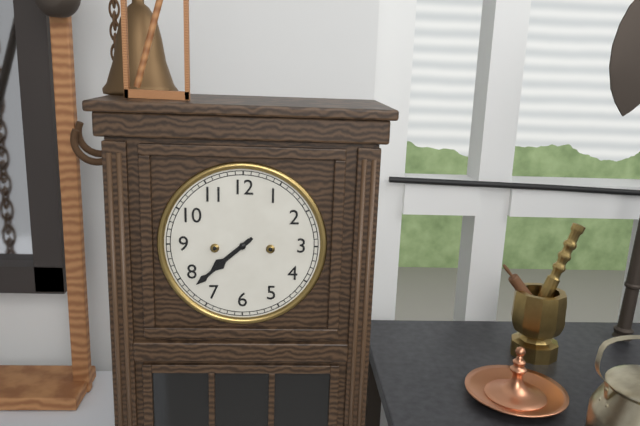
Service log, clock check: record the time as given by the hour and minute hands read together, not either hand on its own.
7:38
